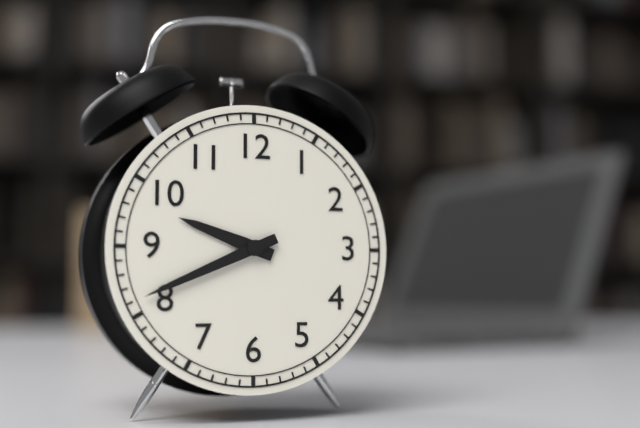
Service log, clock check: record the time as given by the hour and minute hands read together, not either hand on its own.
9:41
